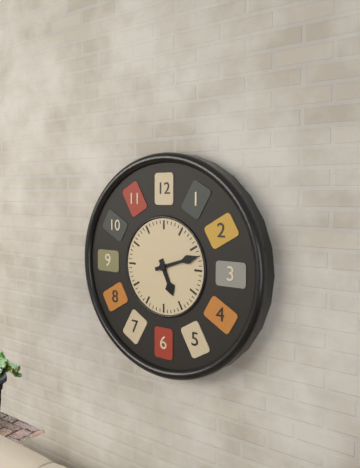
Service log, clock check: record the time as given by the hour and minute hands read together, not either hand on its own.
5:12
